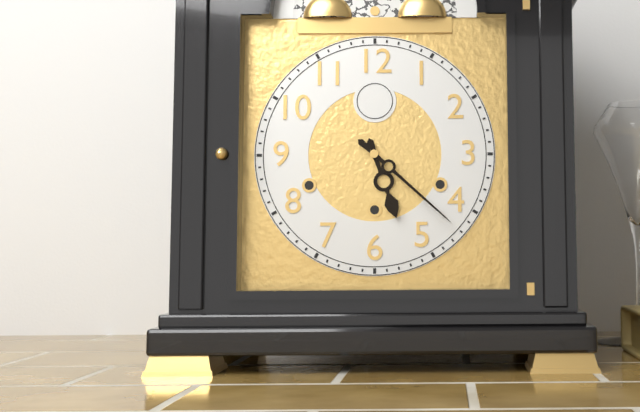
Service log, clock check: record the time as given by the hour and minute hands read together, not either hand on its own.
5:22
